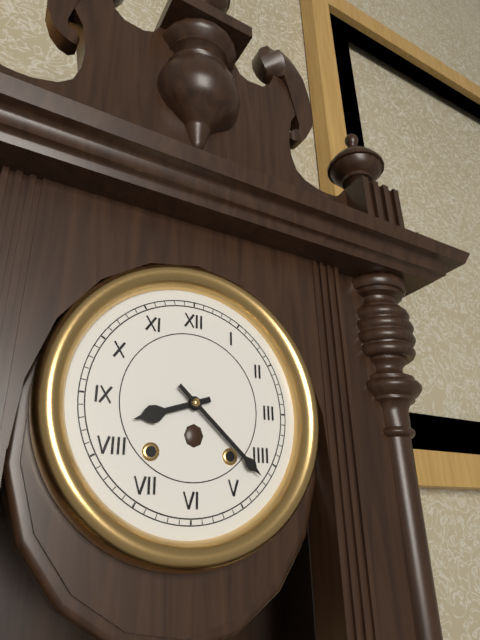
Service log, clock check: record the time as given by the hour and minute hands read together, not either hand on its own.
8:22
